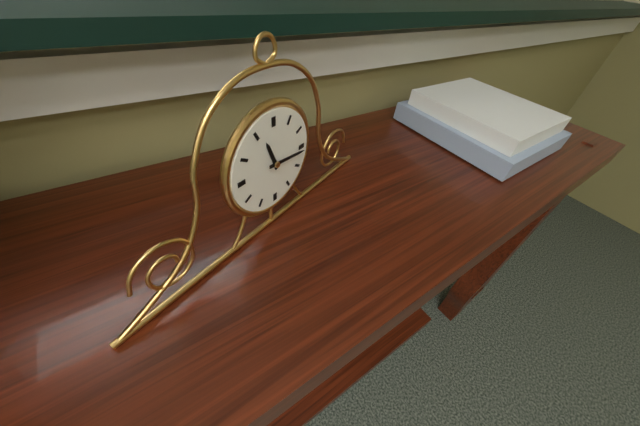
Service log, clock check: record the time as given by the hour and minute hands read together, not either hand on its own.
11:16
